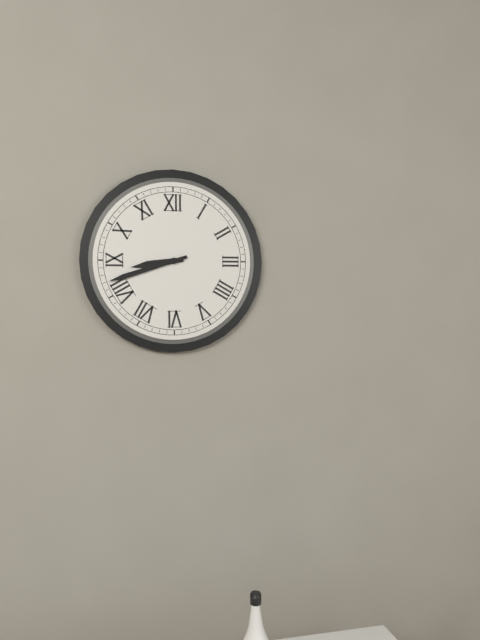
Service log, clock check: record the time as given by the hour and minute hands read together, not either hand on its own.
8:42
